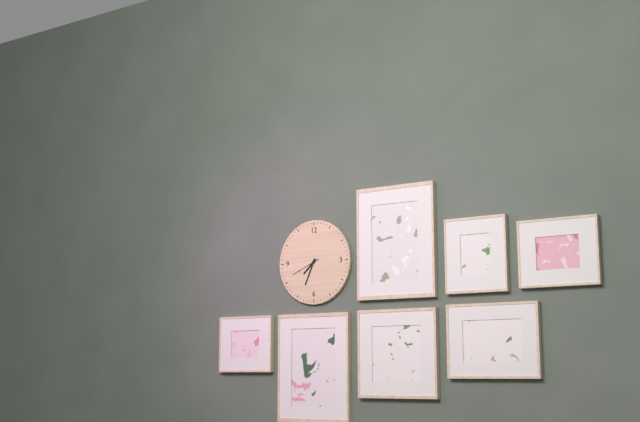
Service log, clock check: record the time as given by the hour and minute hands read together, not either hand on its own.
7:34
